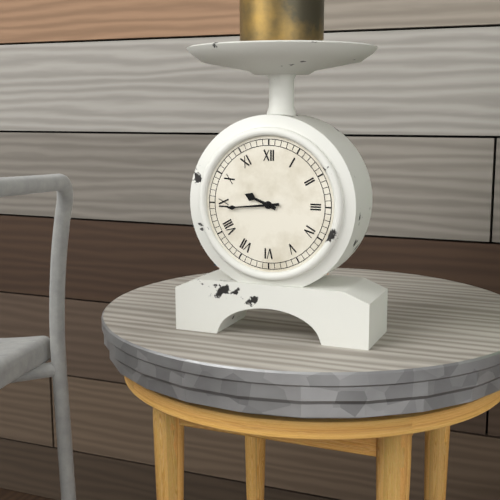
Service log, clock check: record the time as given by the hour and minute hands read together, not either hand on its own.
9:44
